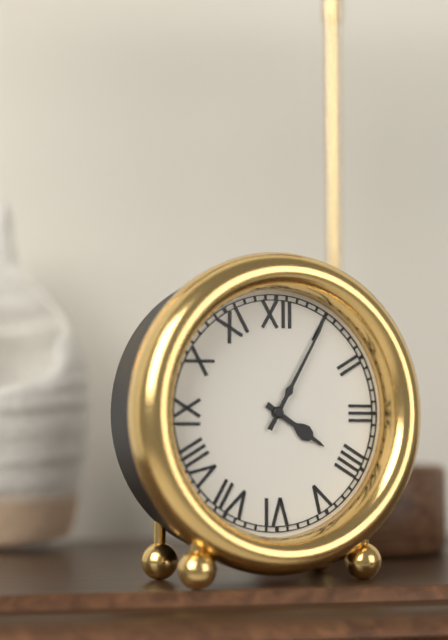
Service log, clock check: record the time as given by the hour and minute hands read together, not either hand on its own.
4:05
